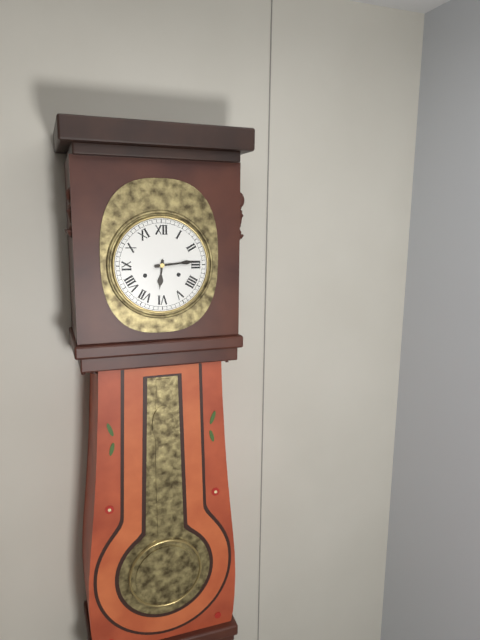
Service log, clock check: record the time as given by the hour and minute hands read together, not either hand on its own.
6:14
